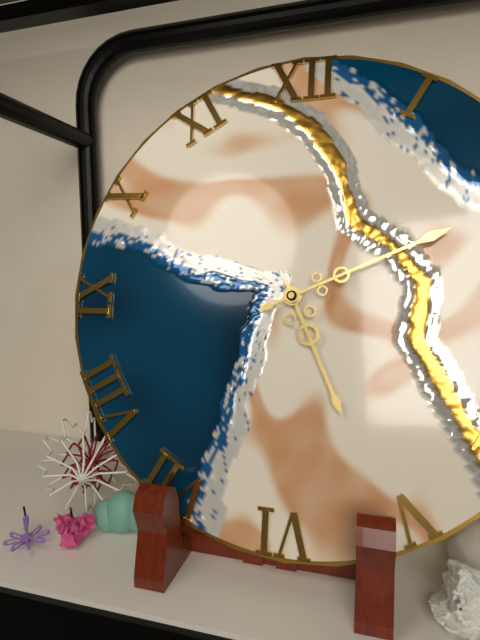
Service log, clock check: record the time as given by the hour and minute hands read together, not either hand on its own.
5:11
